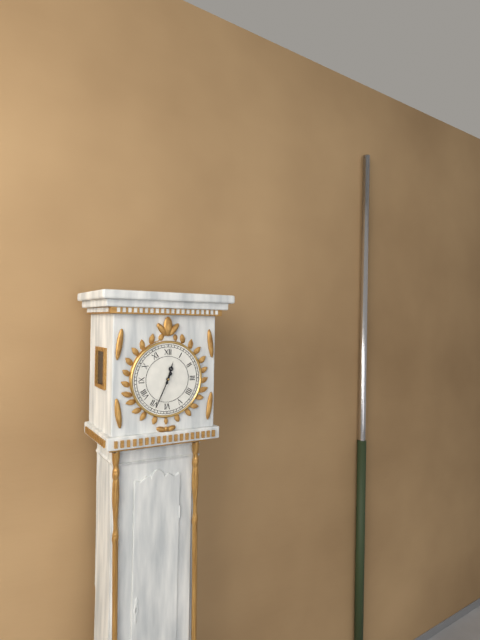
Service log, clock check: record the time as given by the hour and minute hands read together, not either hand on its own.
12:34
